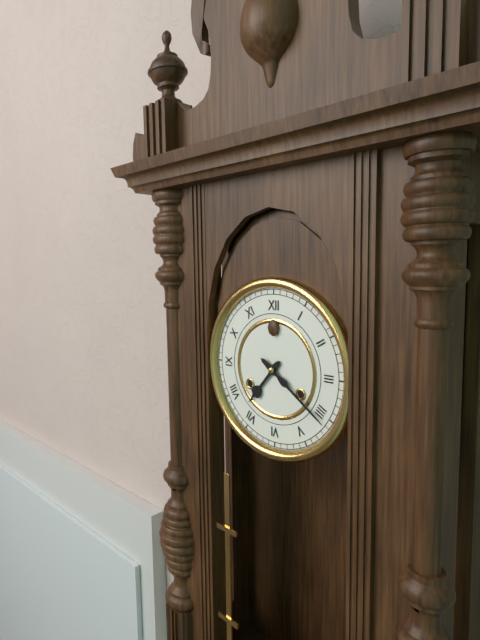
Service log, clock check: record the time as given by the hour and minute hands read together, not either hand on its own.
7:21
